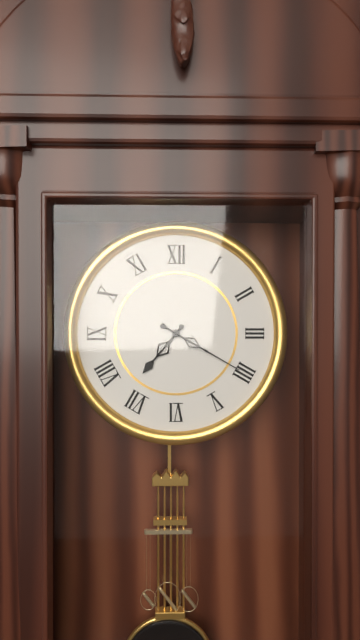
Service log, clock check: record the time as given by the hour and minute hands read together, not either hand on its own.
7:20
